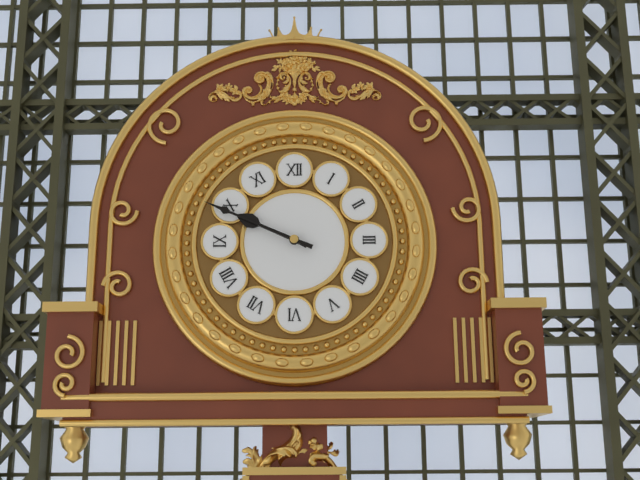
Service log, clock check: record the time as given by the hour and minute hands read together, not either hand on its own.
9:49
